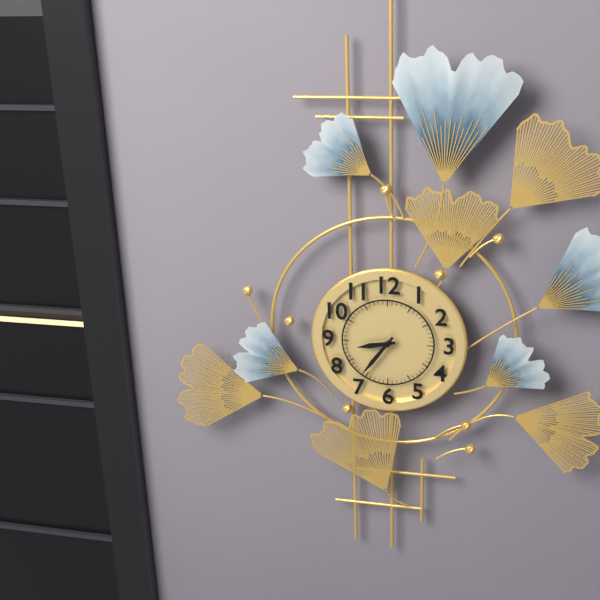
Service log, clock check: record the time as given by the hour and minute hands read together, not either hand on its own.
8:36
